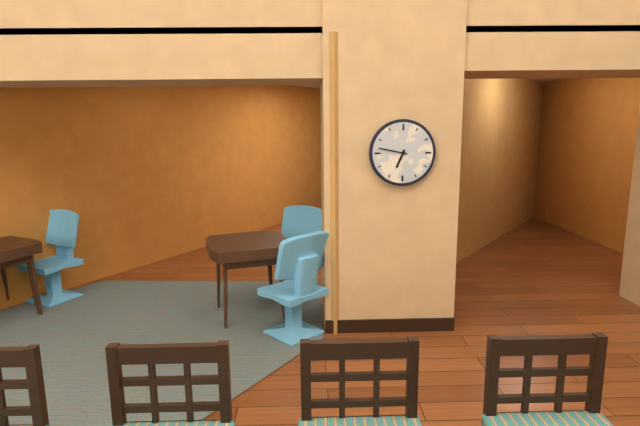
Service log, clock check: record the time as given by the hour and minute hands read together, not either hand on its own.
6:47
